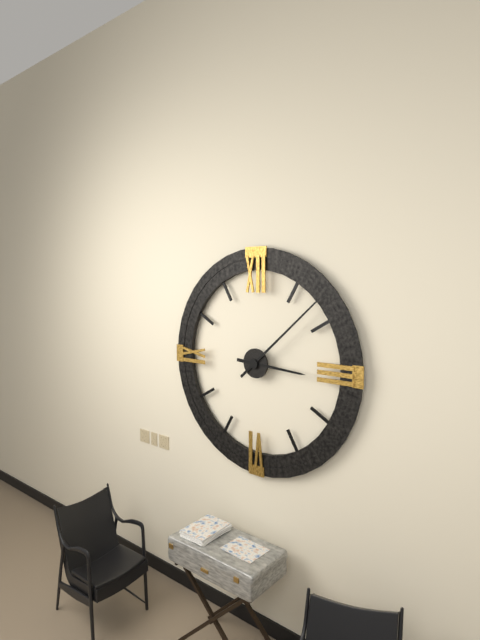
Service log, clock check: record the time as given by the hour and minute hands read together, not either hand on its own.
3:08
